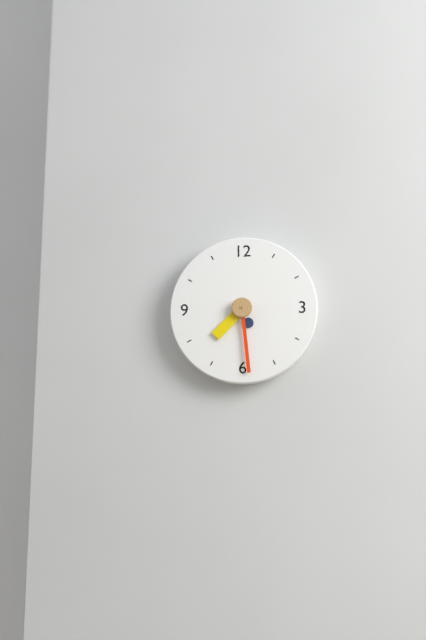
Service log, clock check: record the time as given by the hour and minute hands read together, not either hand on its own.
7:29
